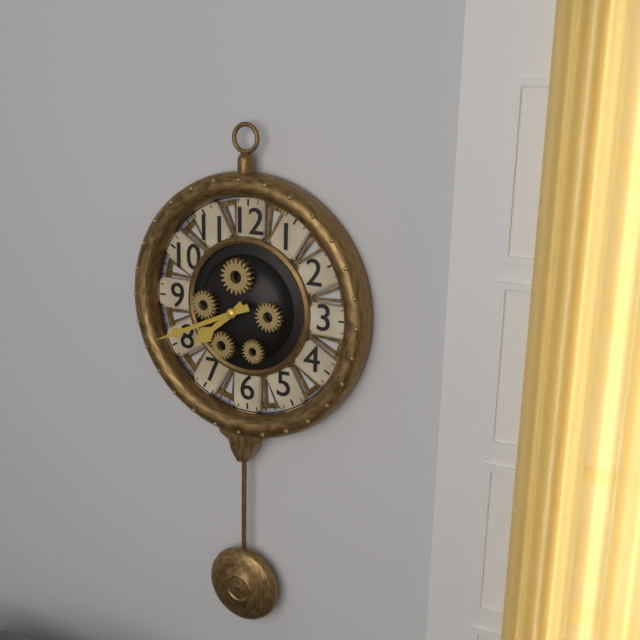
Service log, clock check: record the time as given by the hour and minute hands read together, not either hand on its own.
7:41
